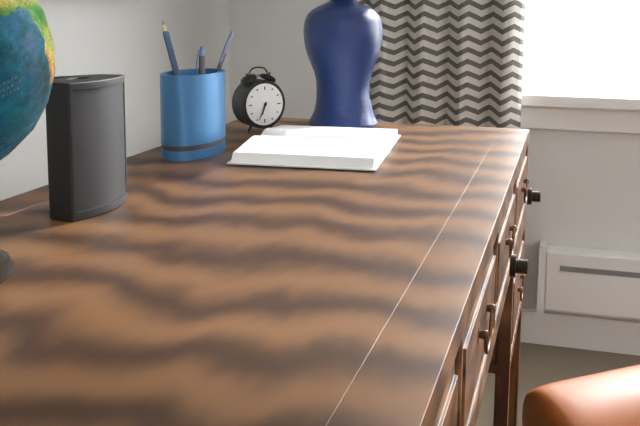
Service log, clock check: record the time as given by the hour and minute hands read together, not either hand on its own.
6:34
